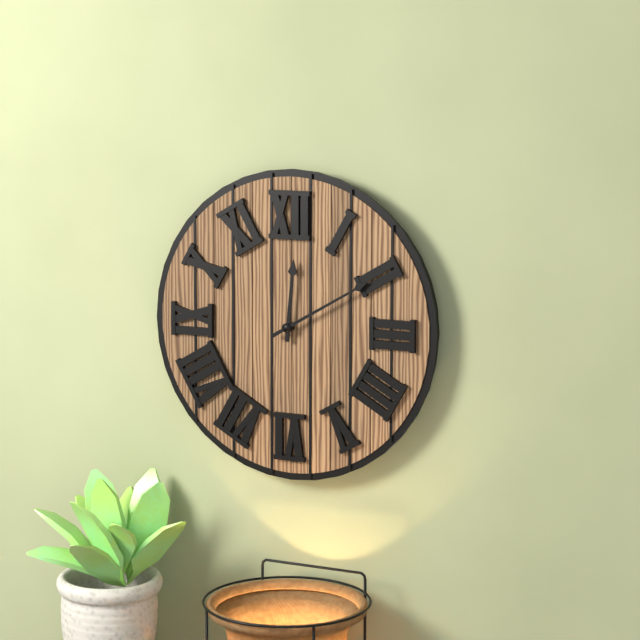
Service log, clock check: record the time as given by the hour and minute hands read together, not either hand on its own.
12:10
